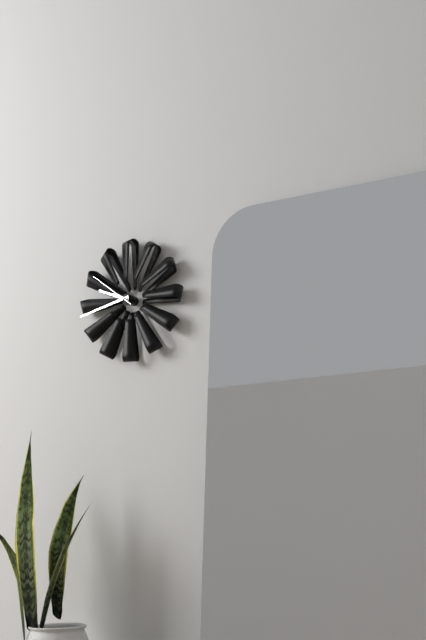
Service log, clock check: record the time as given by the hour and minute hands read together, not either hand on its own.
9:43
